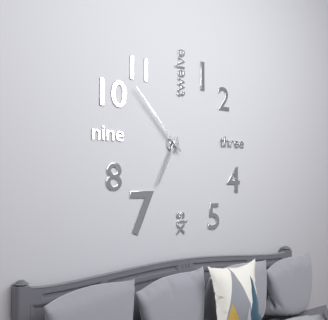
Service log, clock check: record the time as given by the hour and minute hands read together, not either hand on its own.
6:53
